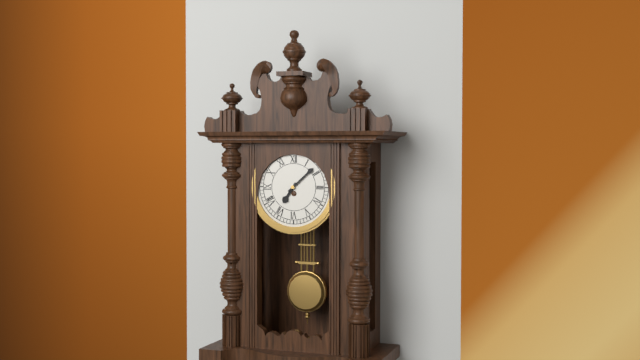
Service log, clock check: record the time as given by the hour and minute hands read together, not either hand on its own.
7:08
